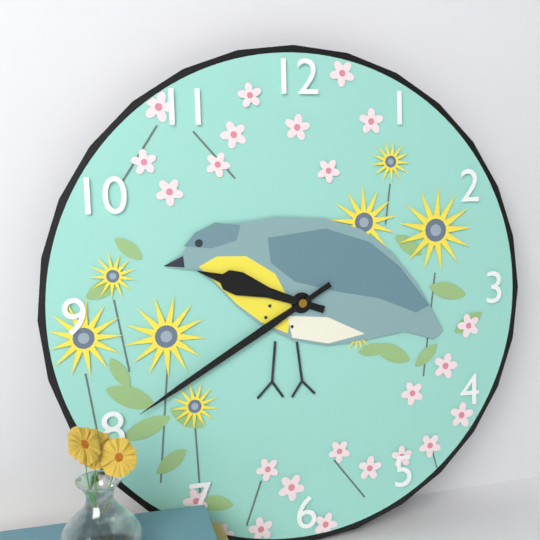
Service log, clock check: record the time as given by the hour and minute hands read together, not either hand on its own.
9:40
